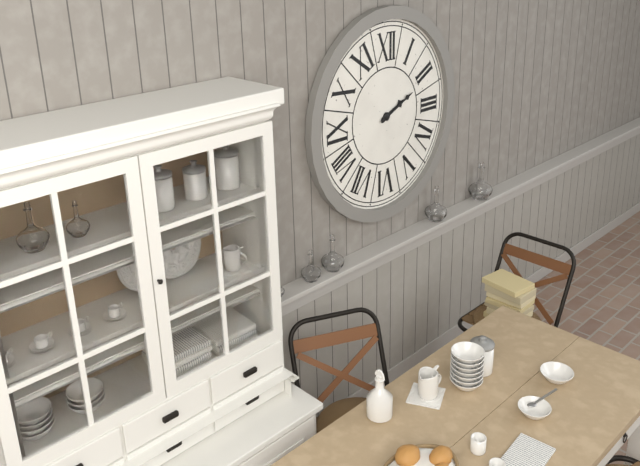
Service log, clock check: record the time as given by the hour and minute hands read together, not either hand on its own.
2:11
